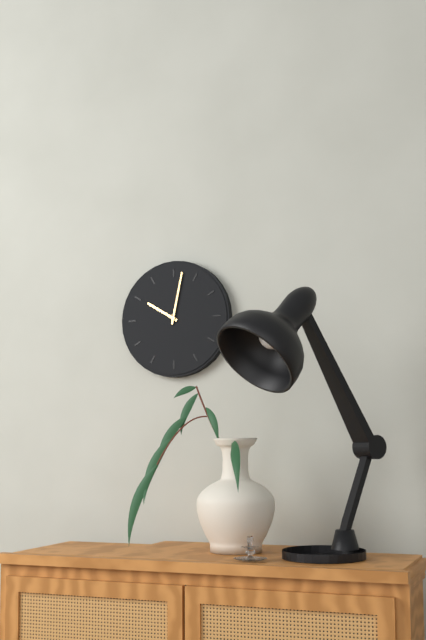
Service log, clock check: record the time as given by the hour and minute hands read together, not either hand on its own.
10:02
